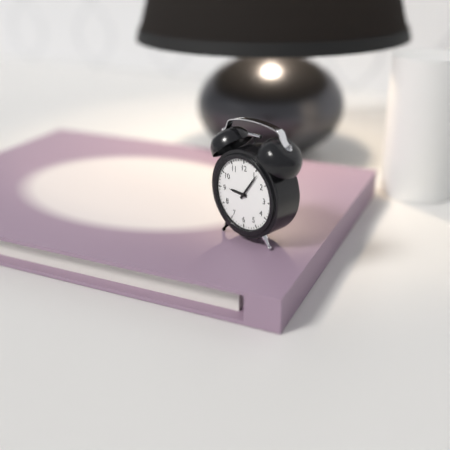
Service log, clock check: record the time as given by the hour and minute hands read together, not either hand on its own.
9:06
